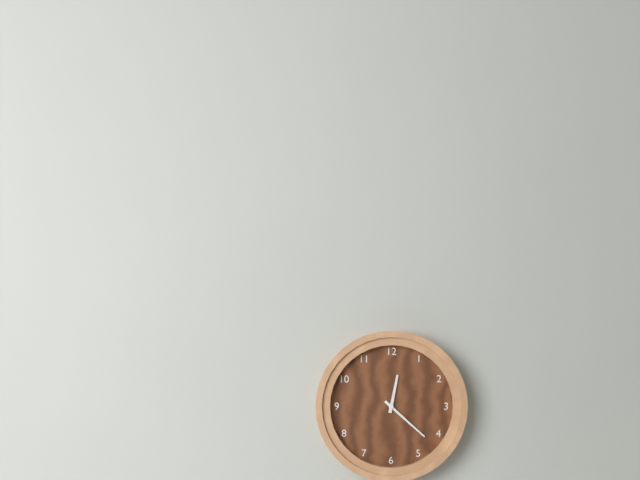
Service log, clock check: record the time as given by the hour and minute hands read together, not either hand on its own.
12:22
